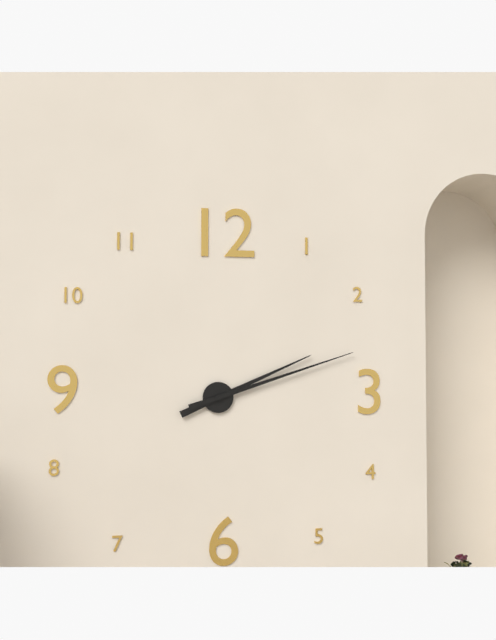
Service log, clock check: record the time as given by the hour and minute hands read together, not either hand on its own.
2:12
